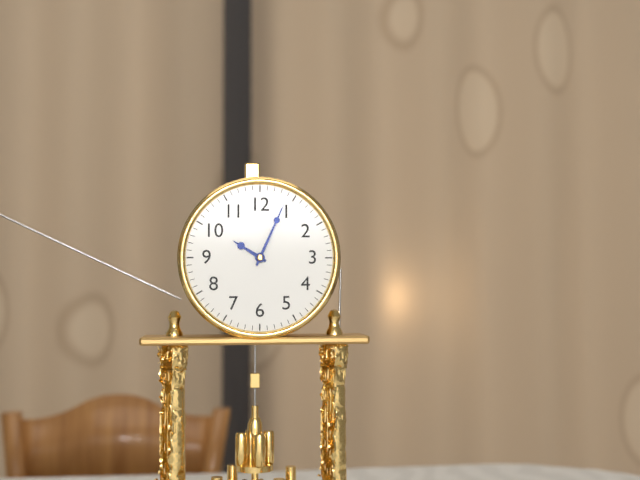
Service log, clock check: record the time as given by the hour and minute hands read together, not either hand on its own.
10:04
